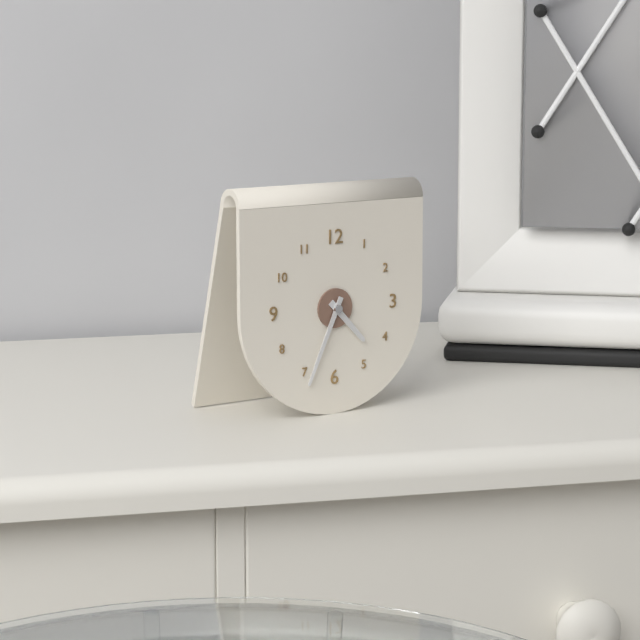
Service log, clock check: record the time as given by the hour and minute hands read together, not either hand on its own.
4:34
